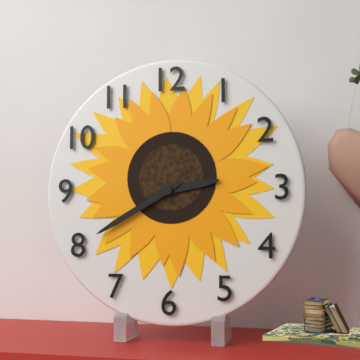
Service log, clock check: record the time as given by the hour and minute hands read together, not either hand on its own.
2:40
